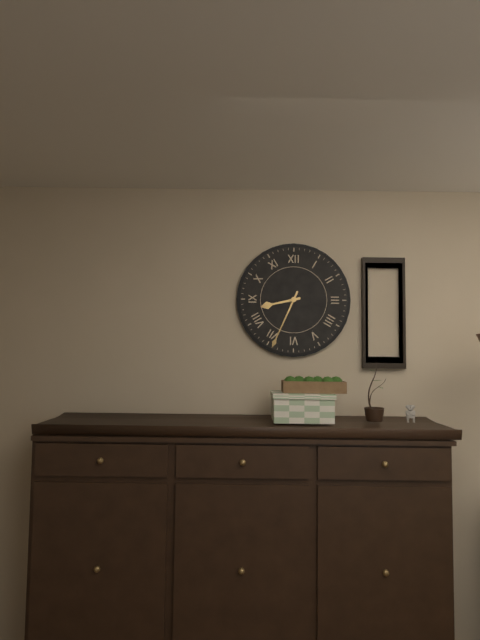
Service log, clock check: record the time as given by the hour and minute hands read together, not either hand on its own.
8:34
